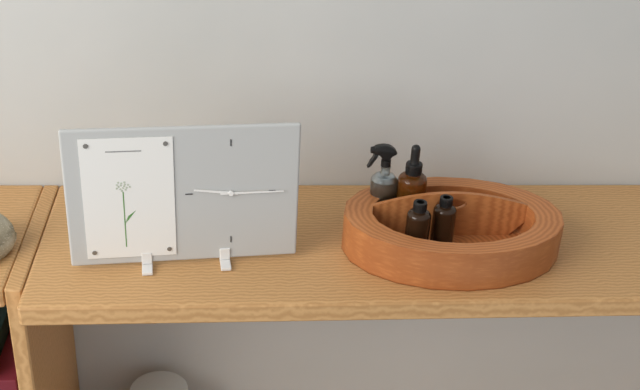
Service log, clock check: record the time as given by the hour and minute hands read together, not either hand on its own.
9:15
